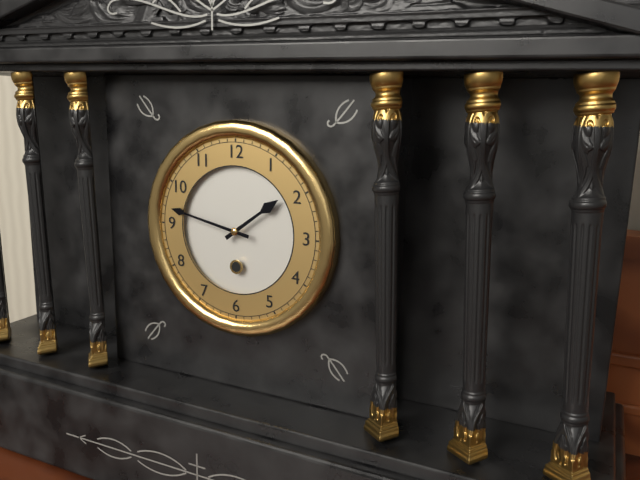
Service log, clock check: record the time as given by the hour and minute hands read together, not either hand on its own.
1:47
